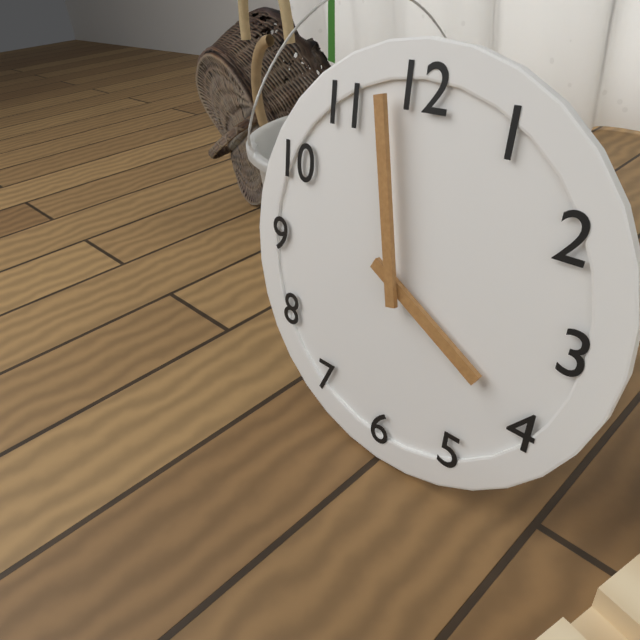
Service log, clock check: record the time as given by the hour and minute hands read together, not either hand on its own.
3:58
